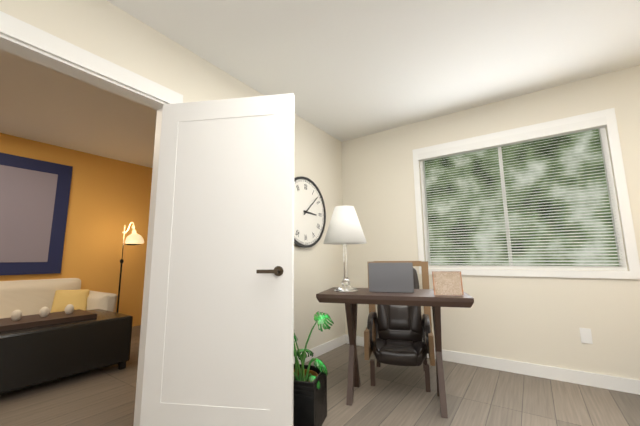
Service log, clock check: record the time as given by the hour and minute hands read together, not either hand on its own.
3:08
